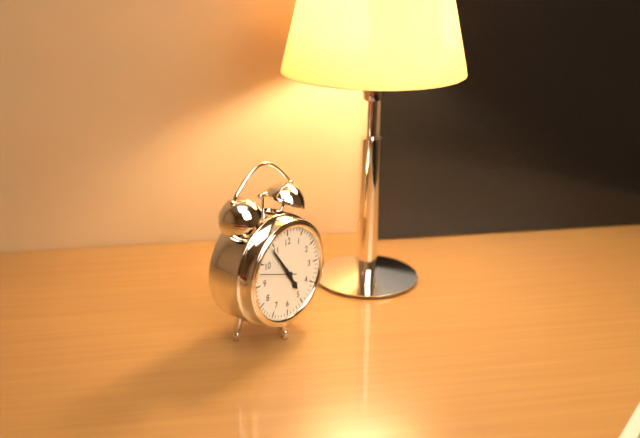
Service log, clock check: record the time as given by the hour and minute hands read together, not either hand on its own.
4:54
